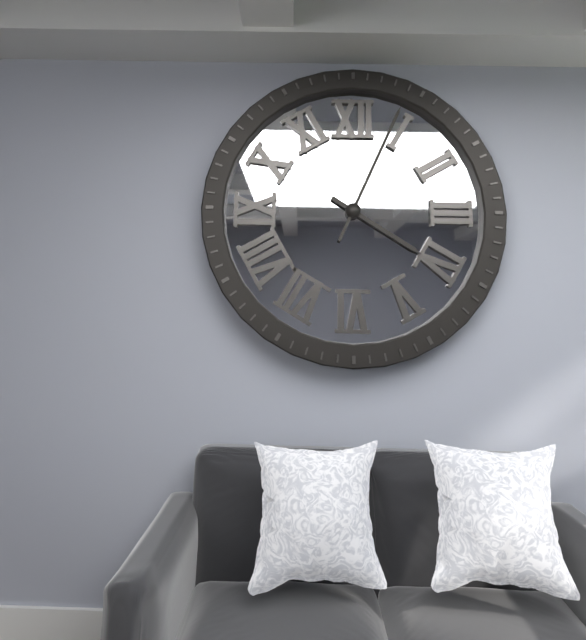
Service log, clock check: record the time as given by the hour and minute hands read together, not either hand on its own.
4:04
